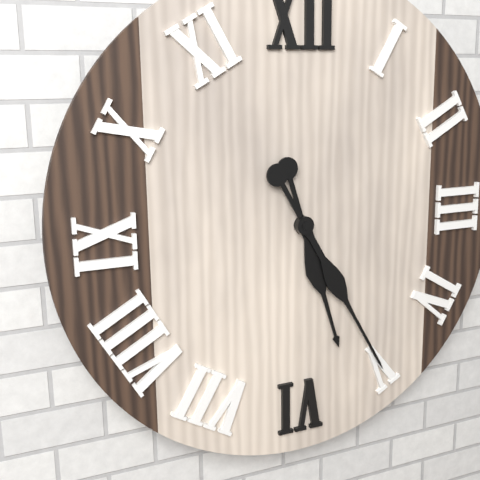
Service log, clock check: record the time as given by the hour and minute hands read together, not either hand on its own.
5:25
